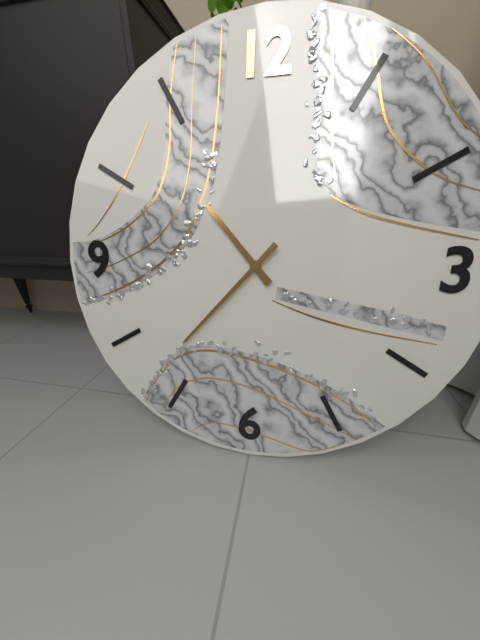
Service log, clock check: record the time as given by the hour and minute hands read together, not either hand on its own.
10:37
